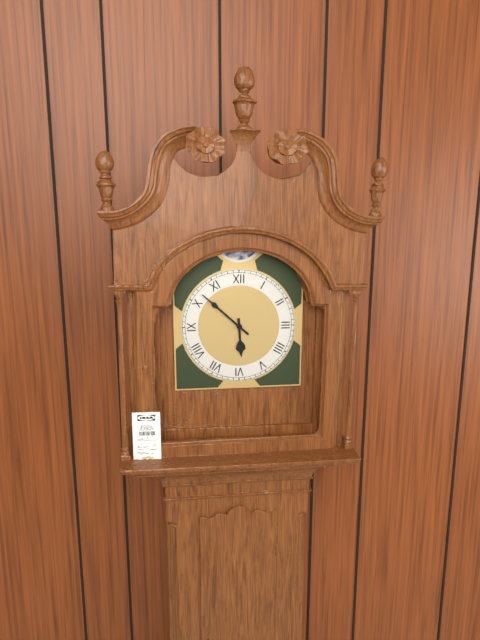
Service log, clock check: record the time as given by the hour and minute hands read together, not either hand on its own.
5:52
